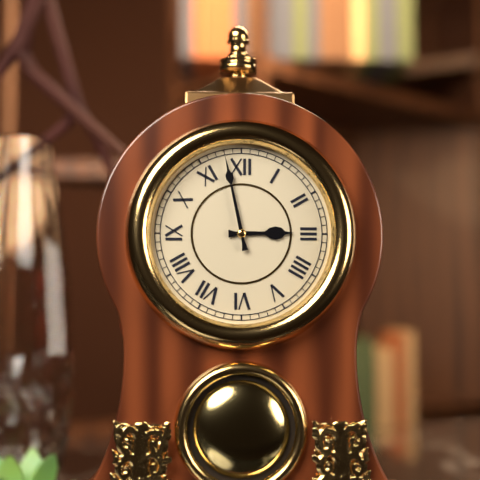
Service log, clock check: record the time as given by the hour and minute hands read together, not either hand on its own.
2:58
